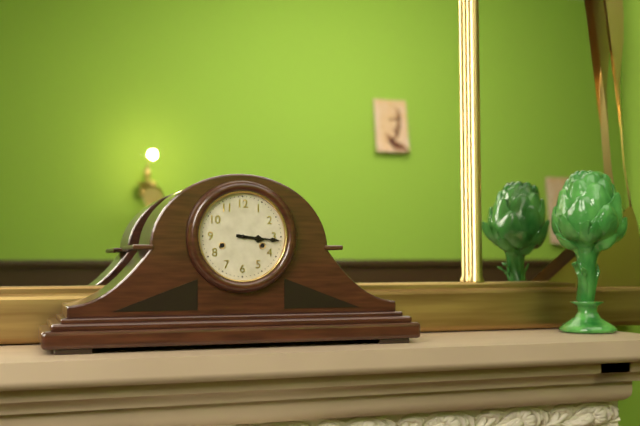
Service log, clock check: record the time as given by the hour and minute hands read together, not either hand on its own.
3:16
